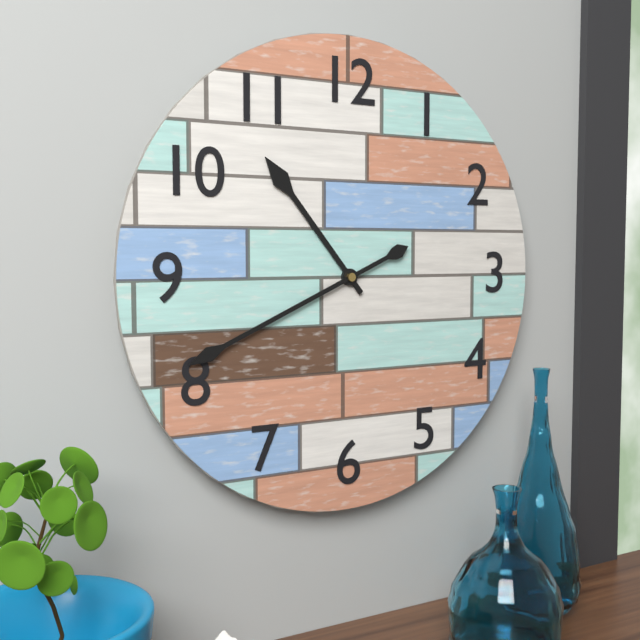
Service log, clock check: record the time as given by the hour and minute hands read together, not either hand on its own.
10:41
